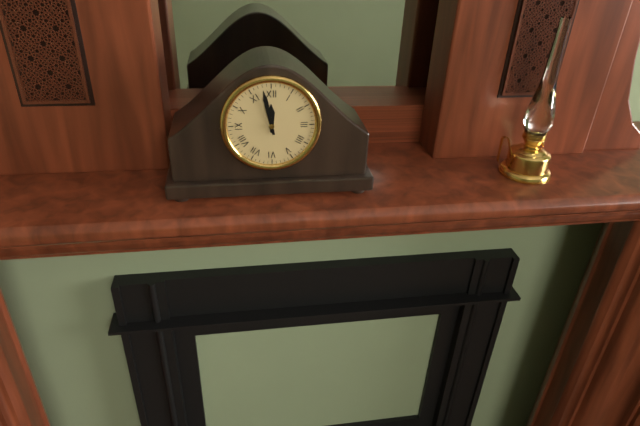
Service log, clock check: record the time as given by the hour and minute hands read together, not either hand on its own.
11:58
